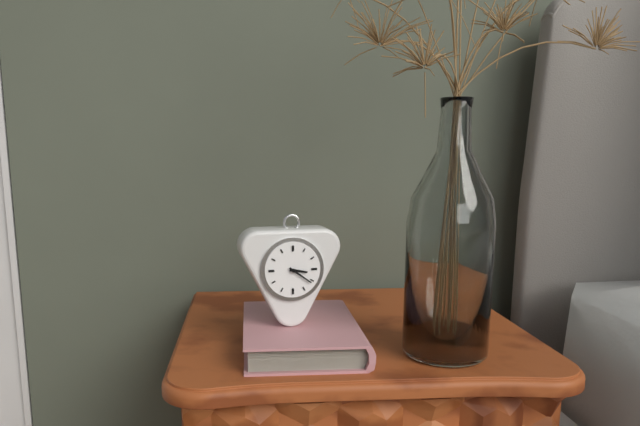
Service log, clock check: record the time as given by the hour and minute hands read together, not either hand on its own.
3:21
